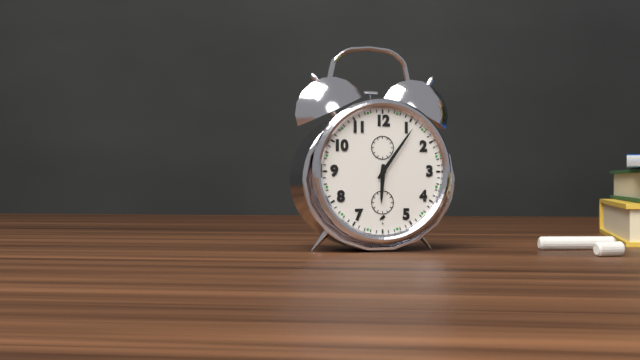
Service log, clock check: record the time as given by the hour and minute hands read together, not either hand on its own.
6:06
